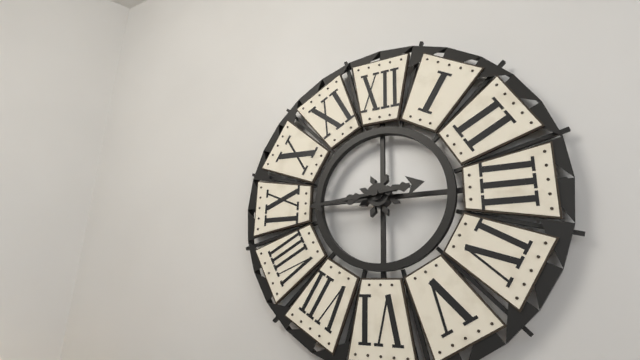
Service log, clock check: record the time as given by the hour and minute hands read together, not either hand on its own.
2:44
